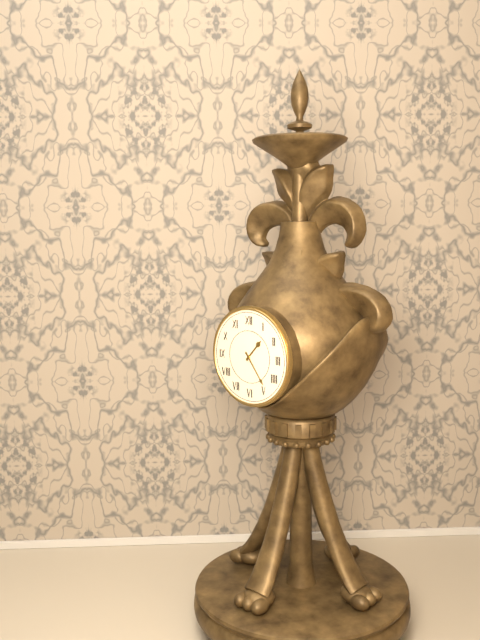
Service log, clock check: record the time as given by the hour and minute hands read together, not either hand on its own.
1:24
